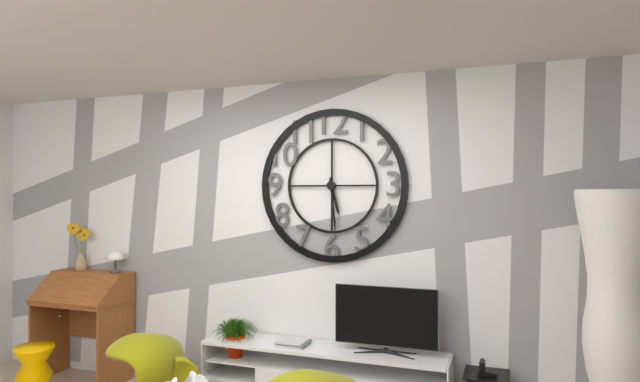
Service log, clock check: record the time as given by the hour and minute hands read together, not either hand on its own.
5:29
